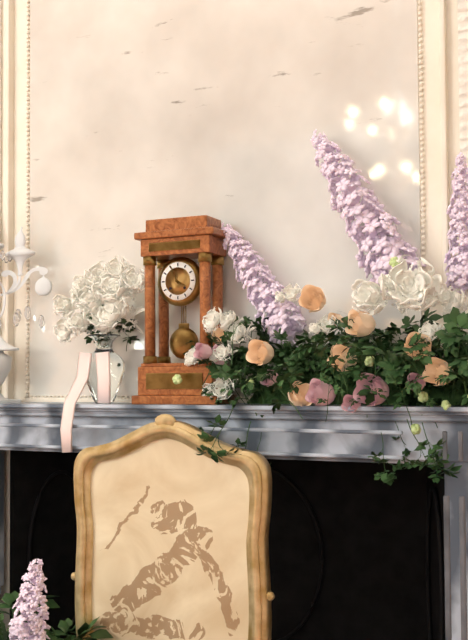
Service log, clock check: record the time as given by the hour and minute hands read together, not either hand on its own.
3:56
